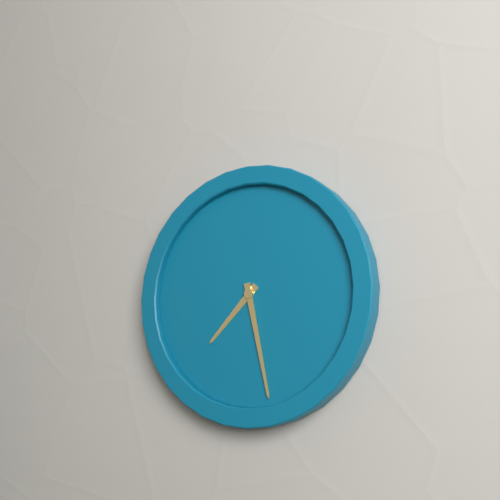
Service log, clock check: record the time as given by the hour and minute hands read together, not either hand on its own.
7:28
